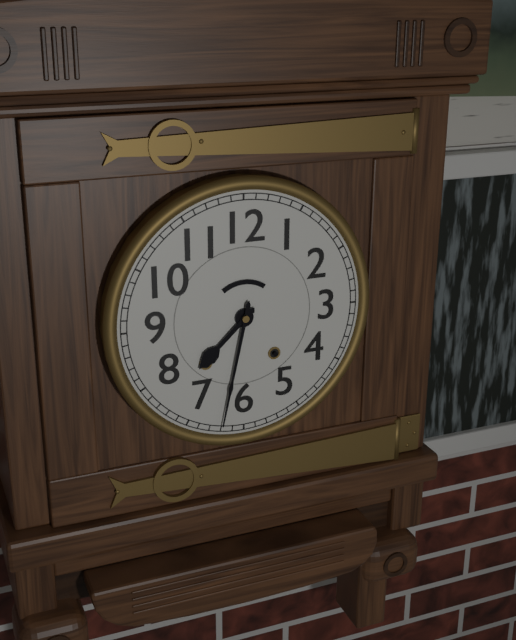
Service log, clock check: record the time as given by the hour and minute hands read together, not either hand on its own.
7:32
